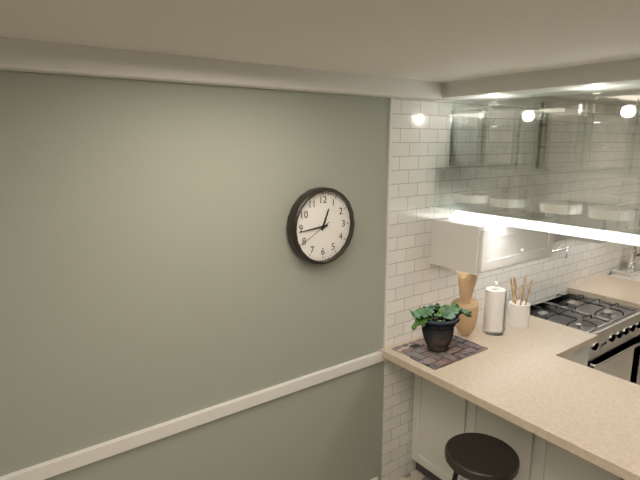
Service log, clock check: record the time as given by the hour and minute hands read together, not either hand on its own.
12:44
